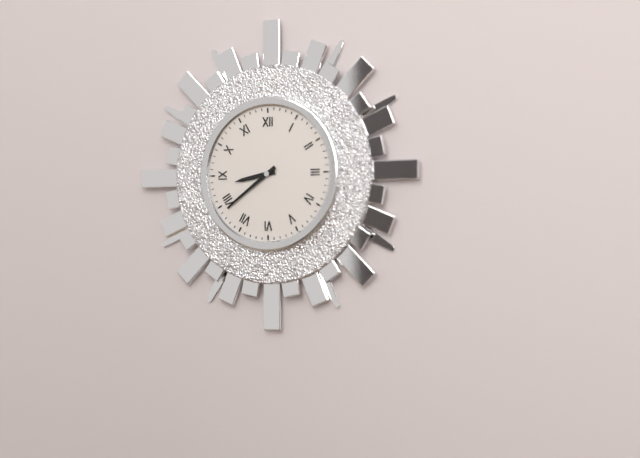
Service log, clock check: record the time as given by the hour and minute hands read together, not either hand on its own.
8:39
